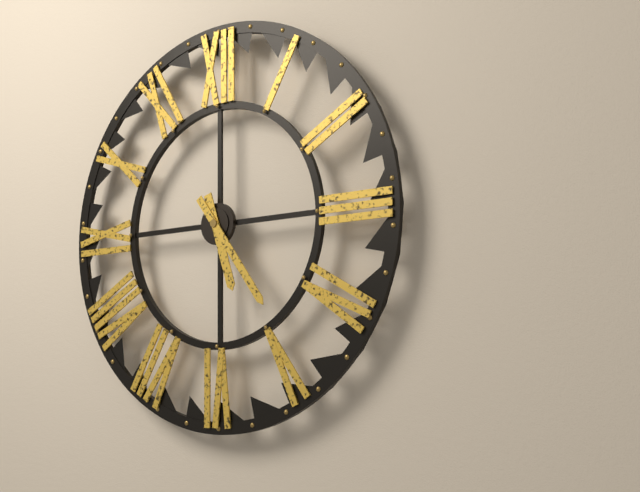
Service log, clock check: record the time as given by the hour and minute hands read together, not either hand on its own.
5:24
